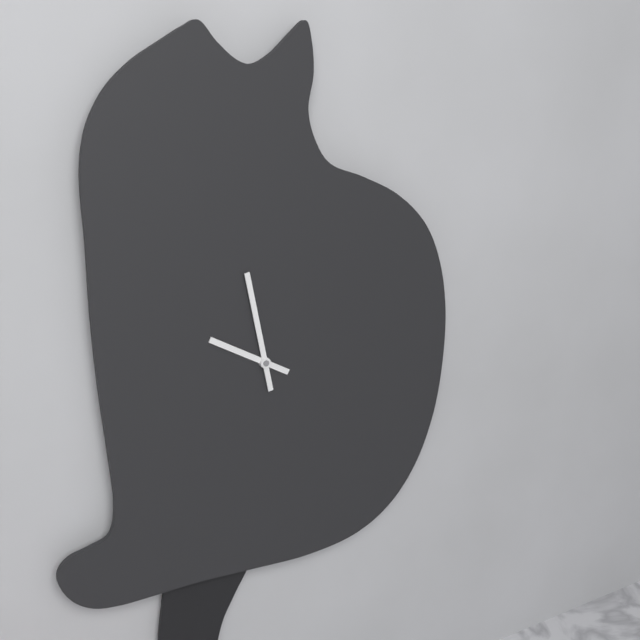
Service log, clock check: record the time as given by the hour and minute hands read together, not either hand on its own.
9:58
